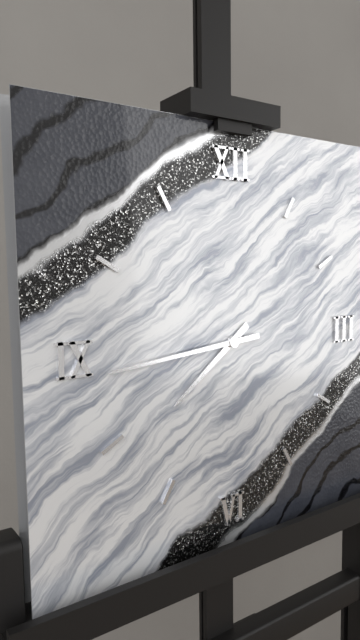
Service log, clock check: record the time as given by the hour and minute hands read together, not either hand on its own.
7:44
